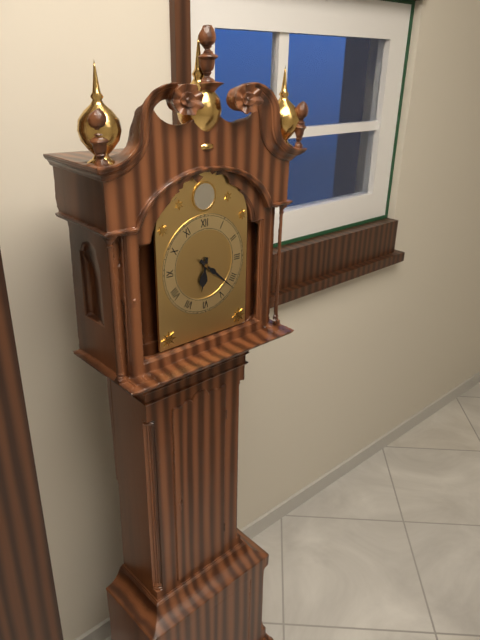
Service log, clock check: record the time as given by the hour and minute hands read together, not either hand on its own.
6:22
